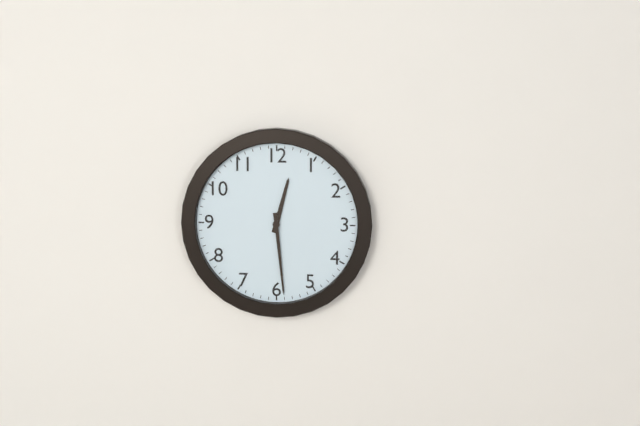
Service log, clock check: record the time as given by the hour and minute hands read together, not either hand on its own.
12:29
